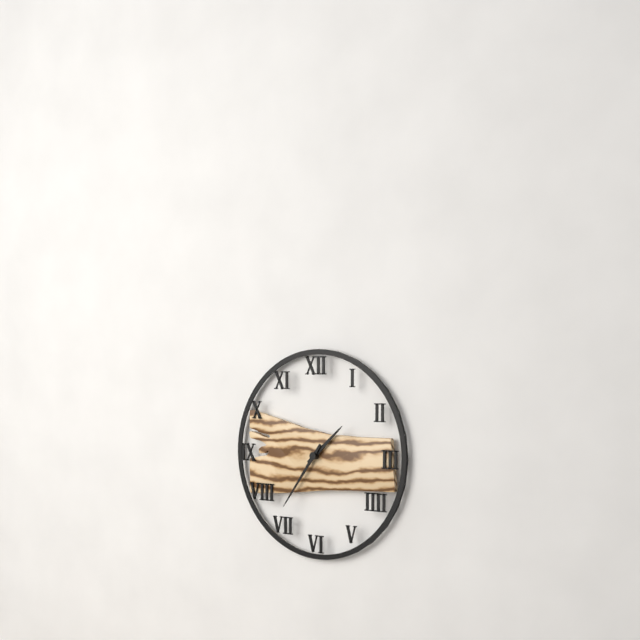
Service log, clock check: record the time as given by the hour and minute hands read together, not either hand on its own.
1:36
